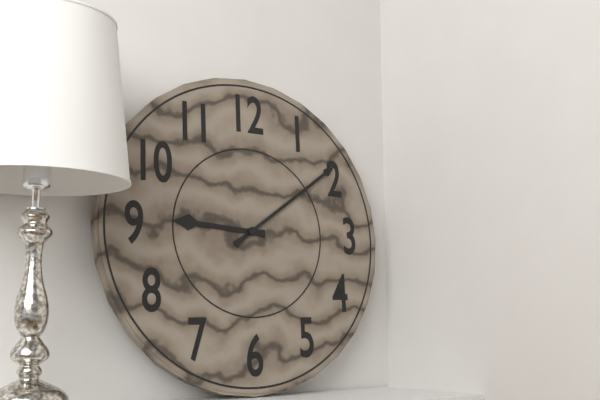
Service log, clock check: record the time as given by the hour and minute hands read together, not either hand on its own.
9:09
